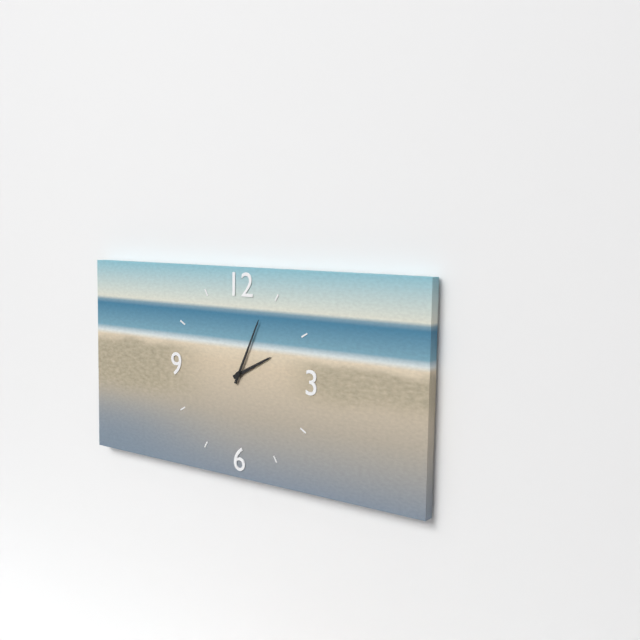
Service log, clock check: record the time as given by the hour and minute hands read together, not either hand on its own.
2:04
